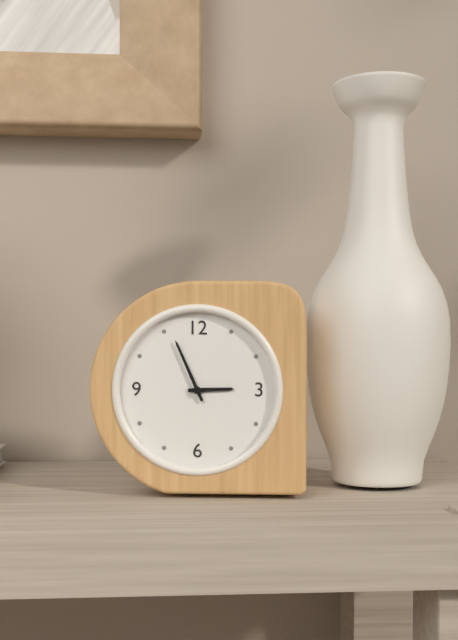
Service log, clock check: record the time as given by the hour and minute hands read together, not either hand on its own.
2:56
